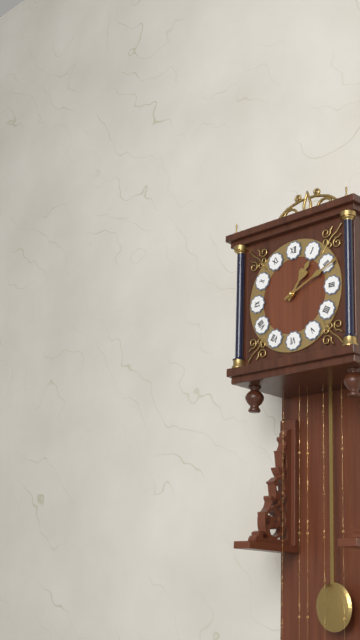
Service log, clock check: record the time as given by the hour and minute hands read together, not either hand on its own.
1:11
